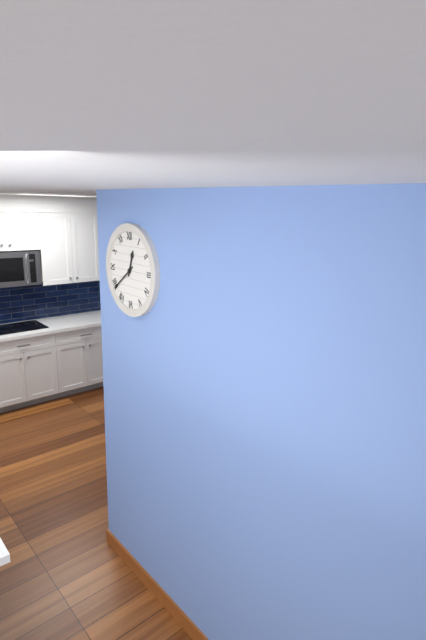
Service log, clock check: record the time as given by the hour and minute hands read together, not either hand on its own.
12:39
